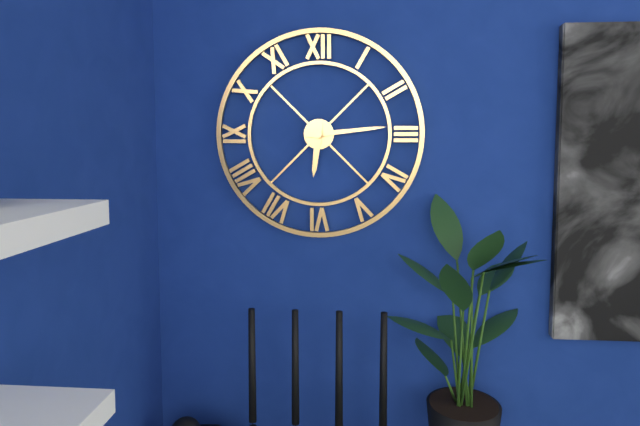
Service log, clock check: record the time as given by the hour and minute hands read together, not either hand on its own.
6:14
